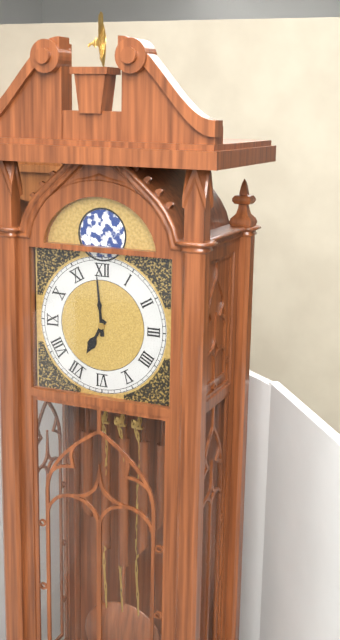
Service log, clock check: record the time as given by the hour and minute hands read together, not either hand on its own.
6:59
